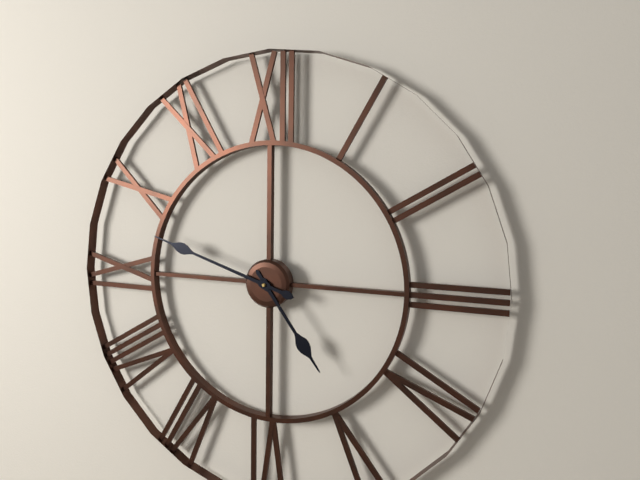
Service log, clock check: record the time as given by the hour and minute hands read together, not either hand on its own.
4:48
